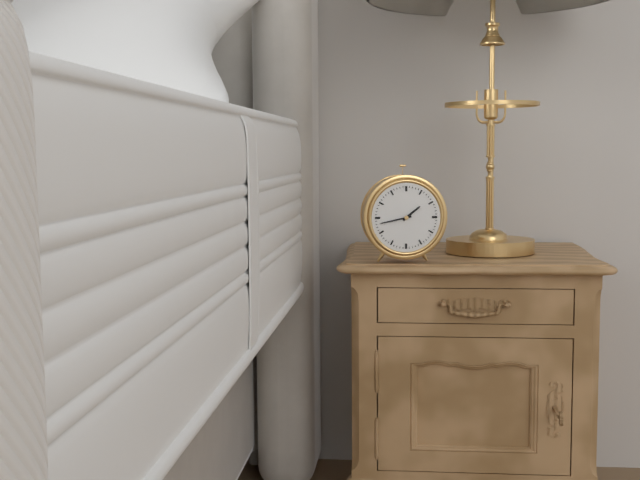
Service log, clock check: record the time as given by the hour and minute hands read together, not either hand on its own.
1:43
